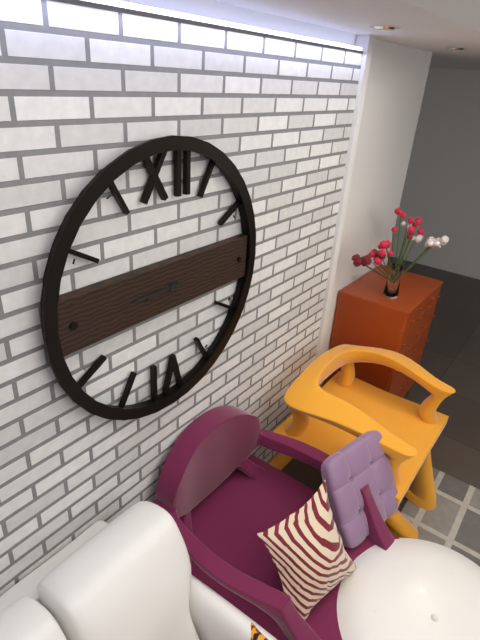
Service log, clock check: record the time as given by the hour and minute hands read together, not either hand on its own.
8:45
